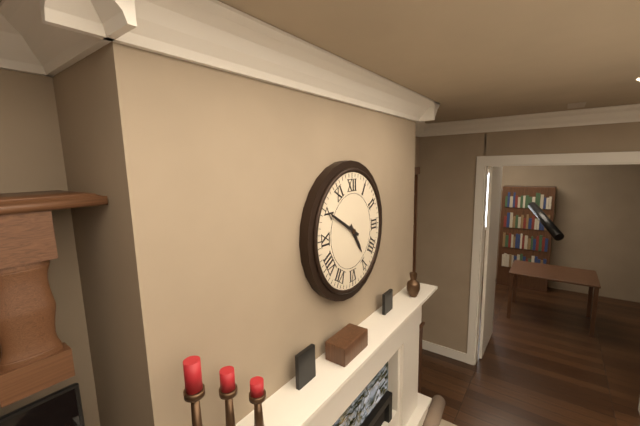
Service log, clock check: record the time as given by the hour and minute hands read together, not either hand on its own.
4:50
